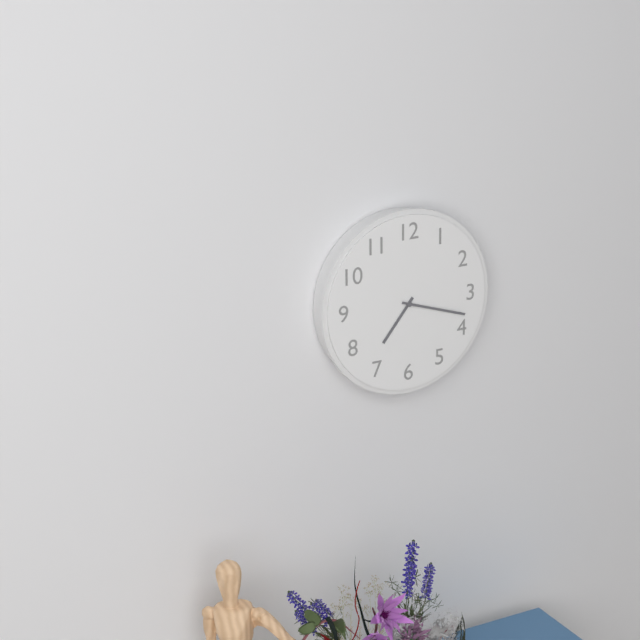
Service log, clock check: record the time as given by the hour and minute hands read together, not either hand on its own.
7:18
